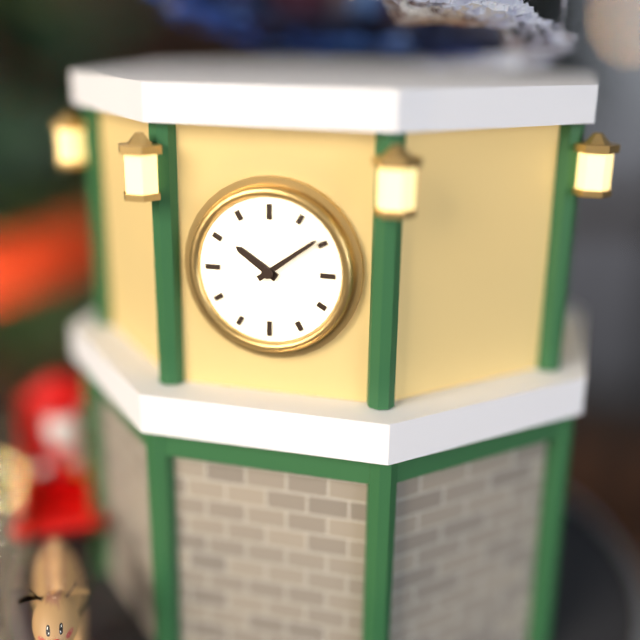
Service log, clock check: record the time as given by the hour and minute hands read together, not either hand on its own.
10:09
